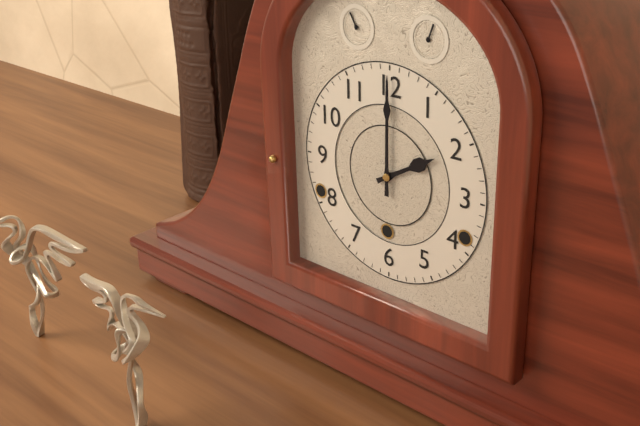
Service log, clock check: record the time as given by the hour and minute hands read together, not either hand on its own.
2:00
